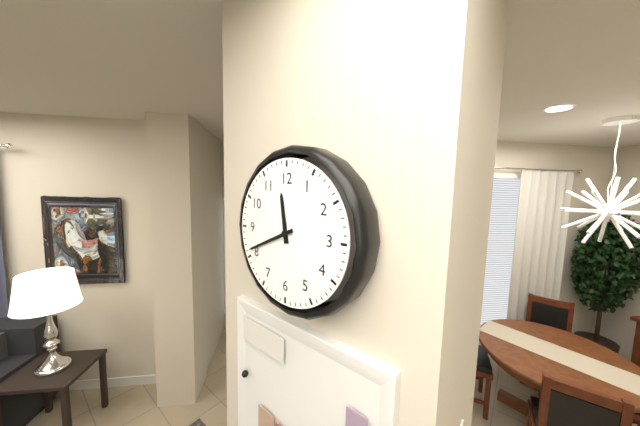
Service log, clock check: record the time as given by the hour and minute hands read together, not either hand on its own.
11:41
